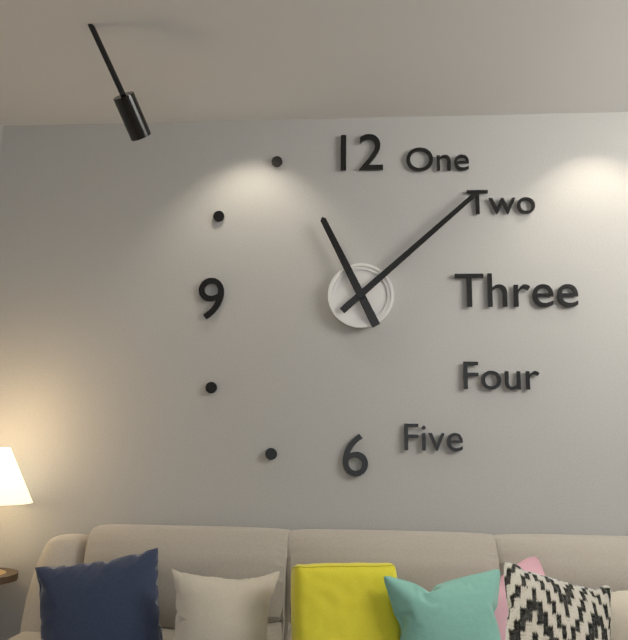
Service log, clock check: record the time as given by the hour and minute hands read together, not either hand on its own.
11:08
